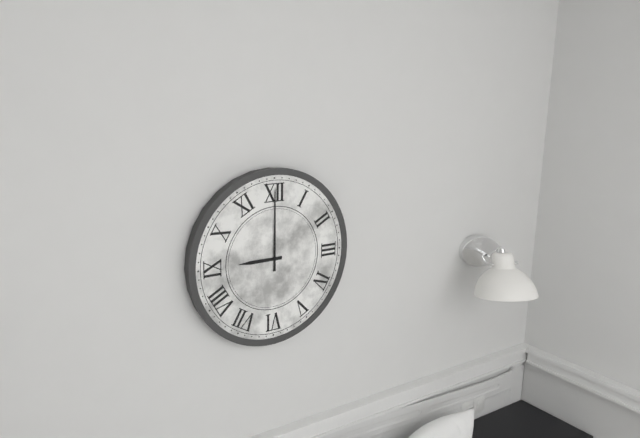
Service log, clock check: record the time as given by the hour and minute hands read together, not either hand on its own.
9:00
